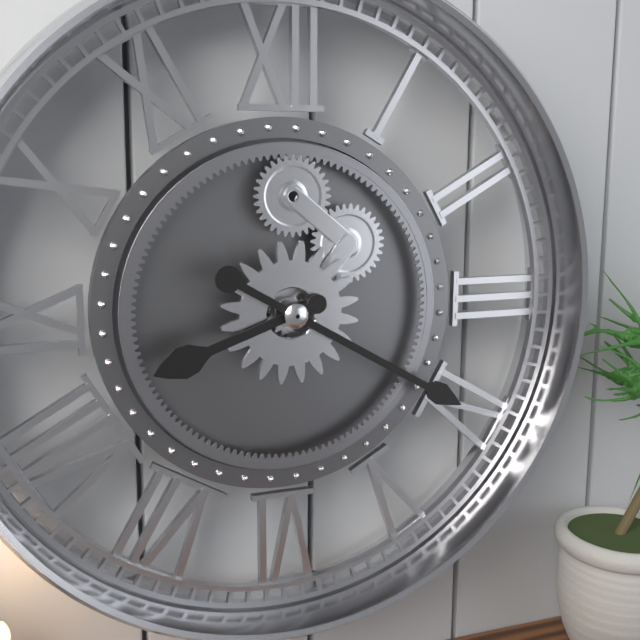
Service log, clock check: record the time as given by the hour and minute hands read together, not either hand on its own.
8:20
